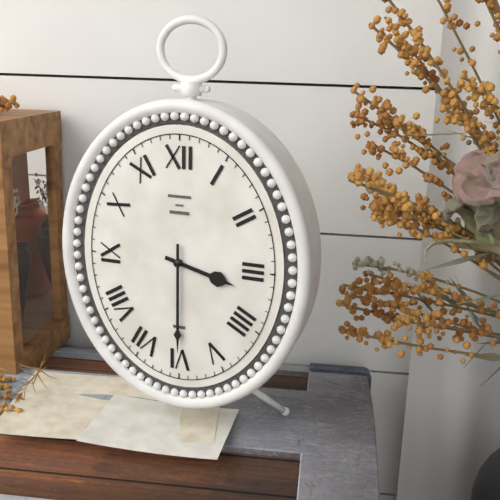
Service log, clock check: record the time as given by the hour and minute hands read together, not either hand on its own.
3:30
